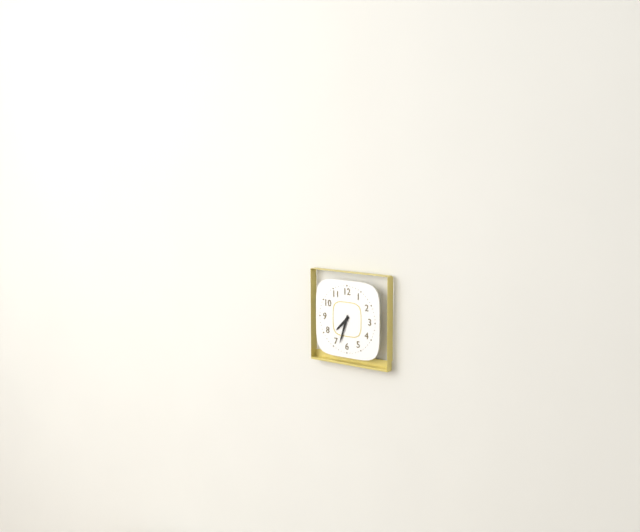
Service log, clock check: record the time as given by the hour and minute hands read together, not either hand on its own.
7:33
